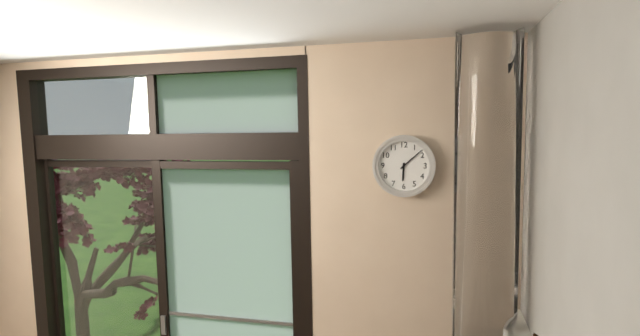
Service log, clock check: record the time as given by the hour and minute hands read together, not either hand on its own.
6:08
